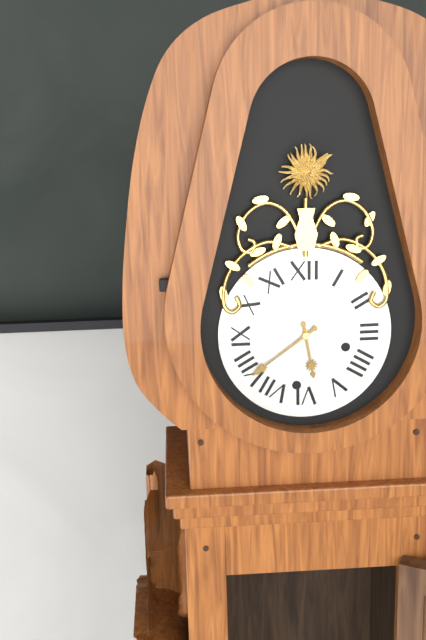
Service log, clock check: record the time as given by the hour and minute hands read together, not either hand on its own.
5:39
